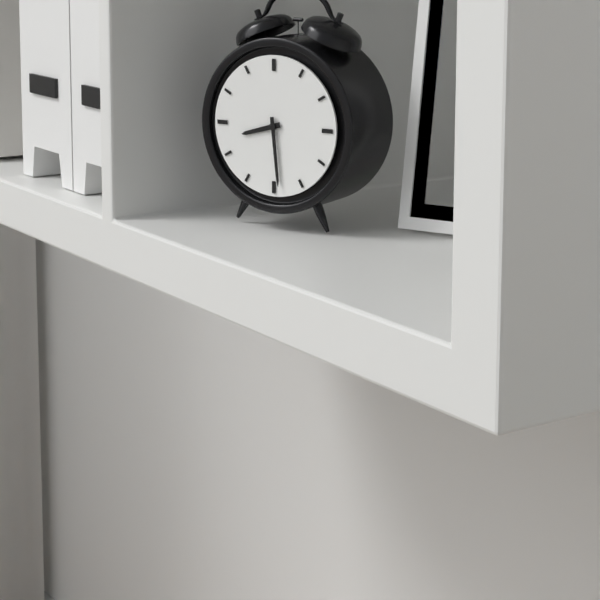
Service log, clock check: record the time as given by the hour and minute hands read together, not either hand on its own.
8:29
